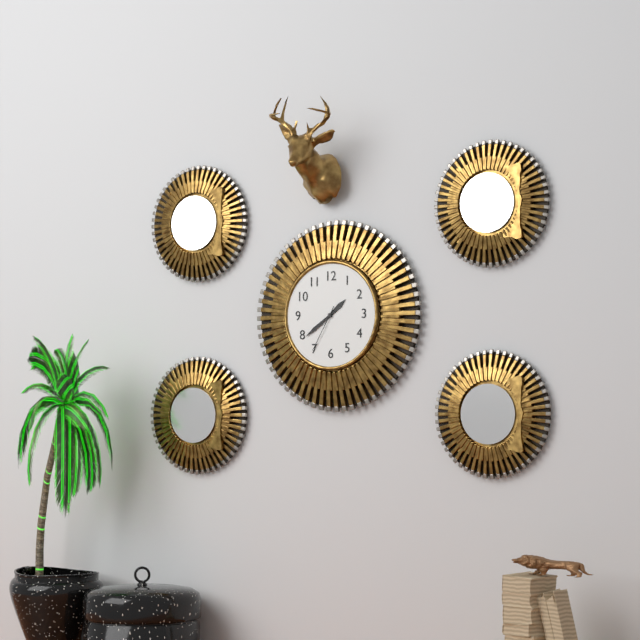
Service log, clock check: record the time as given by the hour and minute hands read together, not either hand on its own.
1:39
